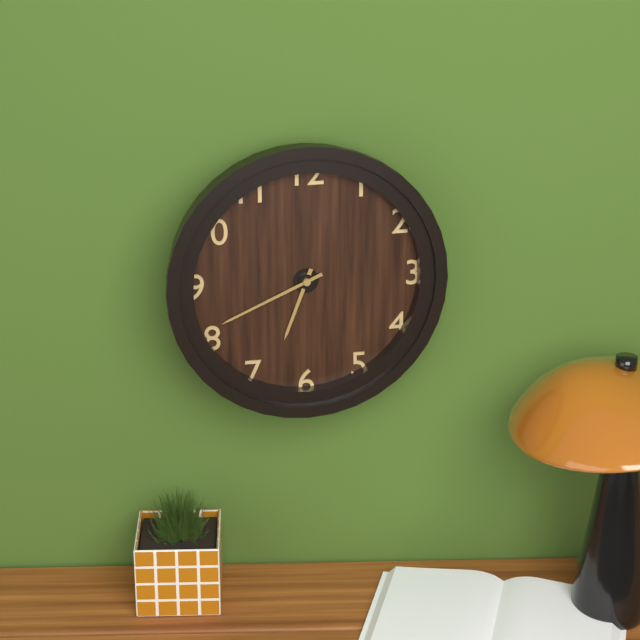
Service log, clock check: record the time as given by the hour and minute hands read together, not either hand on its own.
6:41
